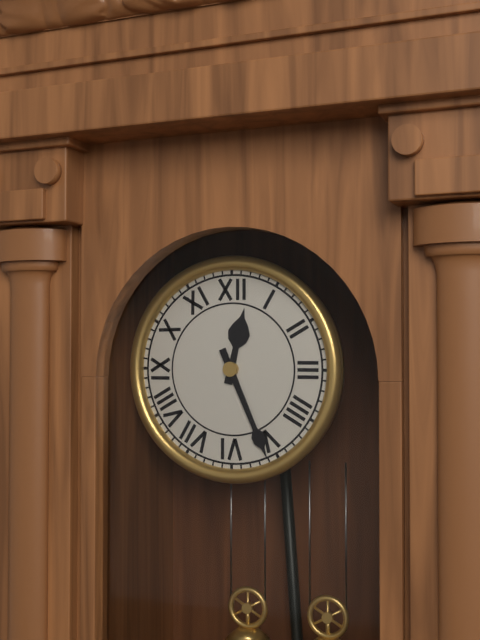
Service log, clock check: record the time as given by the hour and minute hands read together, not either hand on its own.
12:26
